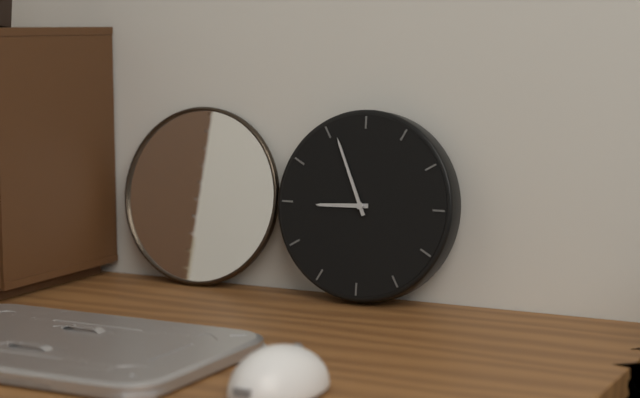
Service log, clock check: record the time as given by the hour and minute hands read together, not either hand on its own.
8:56
